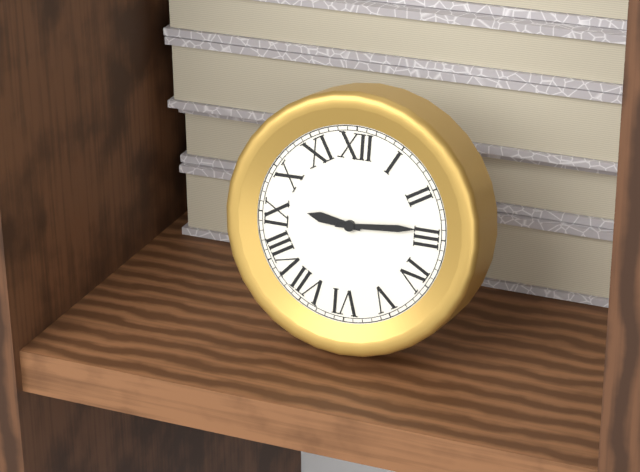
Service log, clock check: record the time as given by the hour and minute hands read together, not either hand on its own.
9:14
